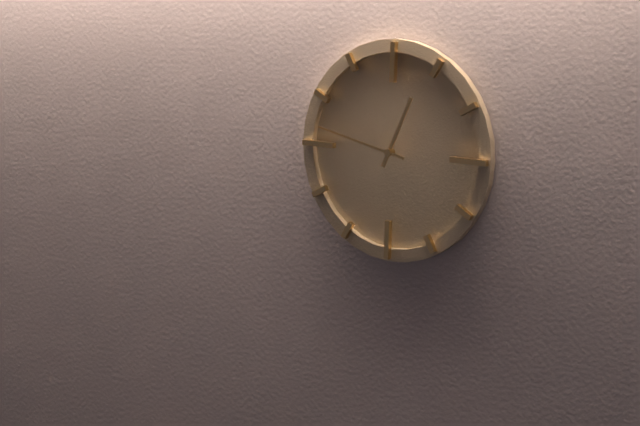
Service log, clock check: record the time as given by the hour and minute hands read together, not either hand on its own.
12:47
